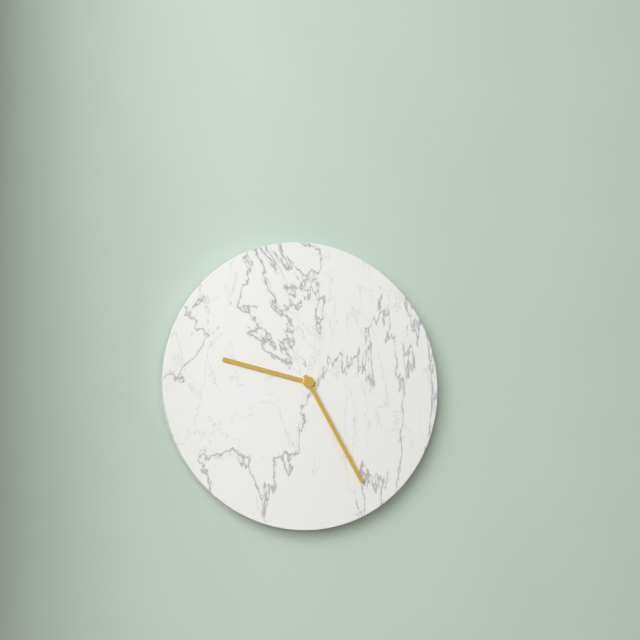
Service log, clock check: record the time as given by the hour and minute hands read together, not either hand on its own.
9:25
